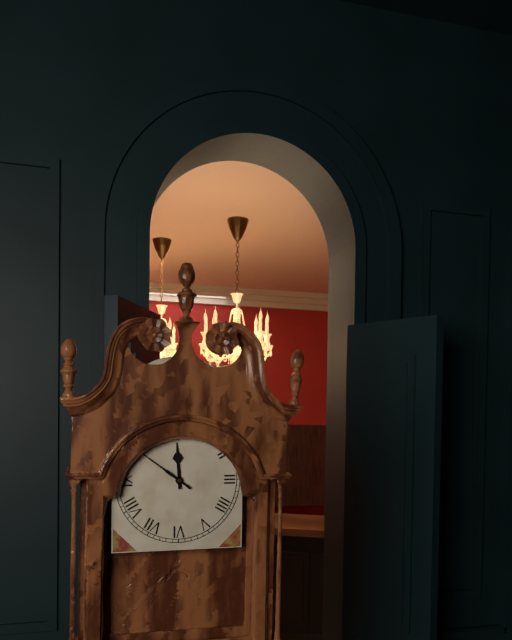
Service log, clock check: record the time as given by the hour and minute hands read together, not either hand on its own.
11:51
